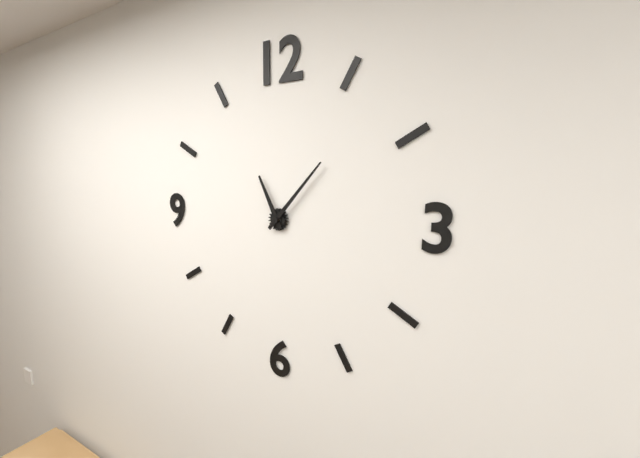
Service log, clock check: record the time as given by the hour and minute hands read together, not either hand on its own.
11:07
